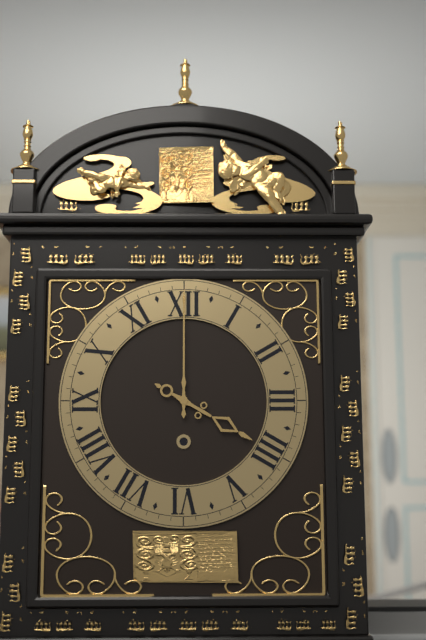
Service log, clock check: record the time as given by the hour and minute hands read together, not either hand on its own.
4:00
